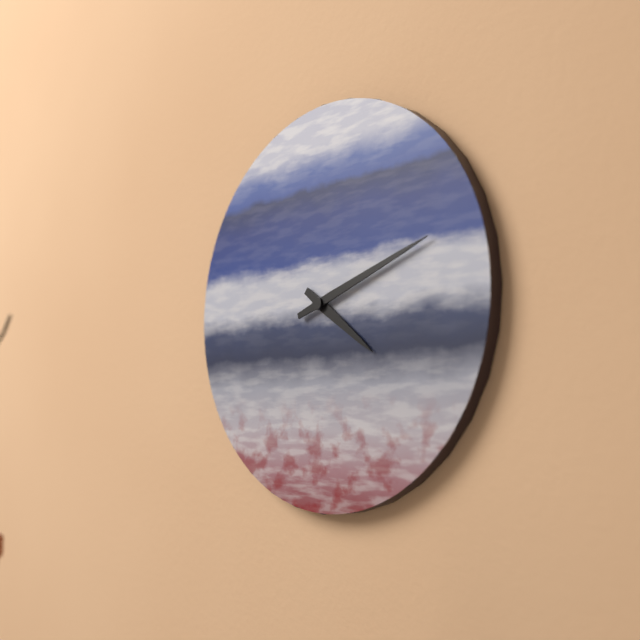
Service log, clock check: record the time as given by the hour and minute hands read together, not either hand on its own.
4:12
